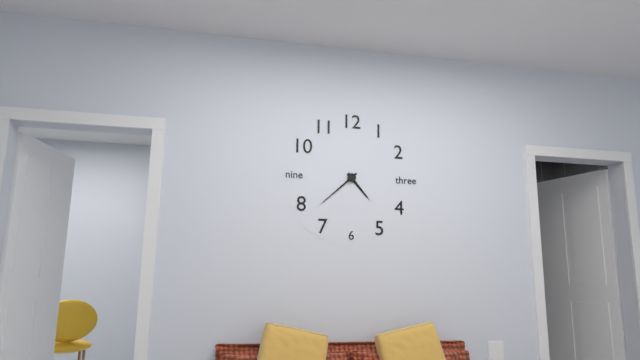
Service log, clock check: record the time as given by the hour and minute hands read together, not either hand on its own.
4:38
